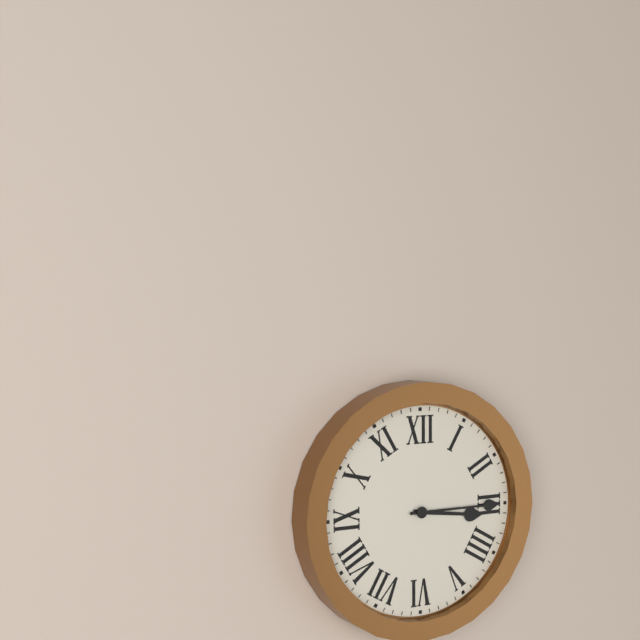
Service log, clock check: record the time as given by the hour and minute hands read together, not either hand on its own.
3:15
